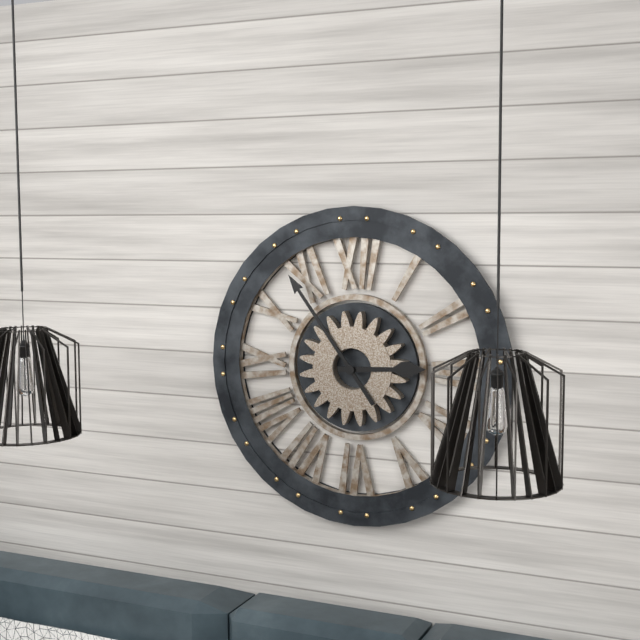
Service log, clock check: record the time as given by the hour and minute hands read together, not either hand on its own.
2:54
